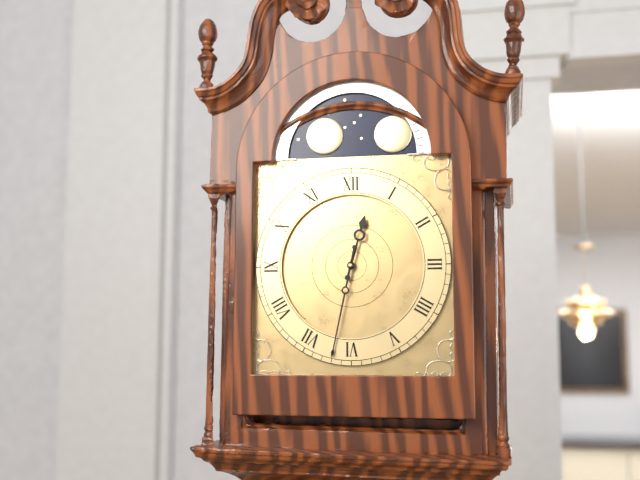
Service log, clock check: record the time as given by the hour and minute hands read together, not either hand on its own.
12:32
